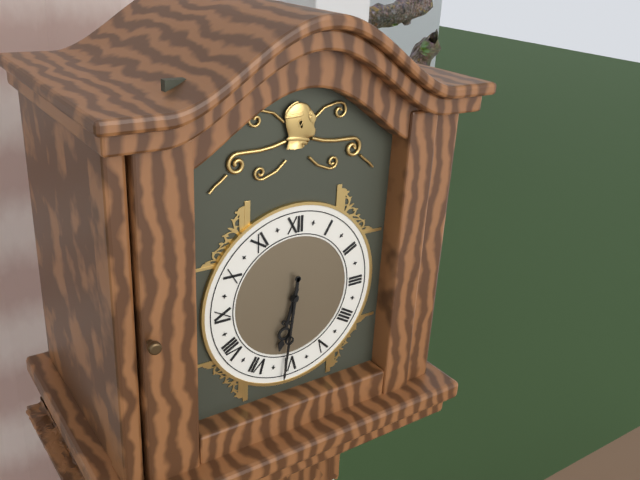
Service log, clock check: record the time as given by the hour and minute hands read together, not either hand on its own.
6:31
